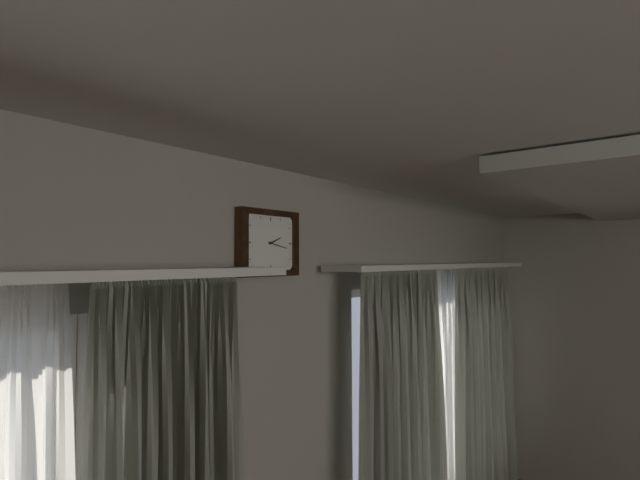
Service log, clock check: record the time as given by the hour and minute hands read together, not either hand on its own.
2:17
